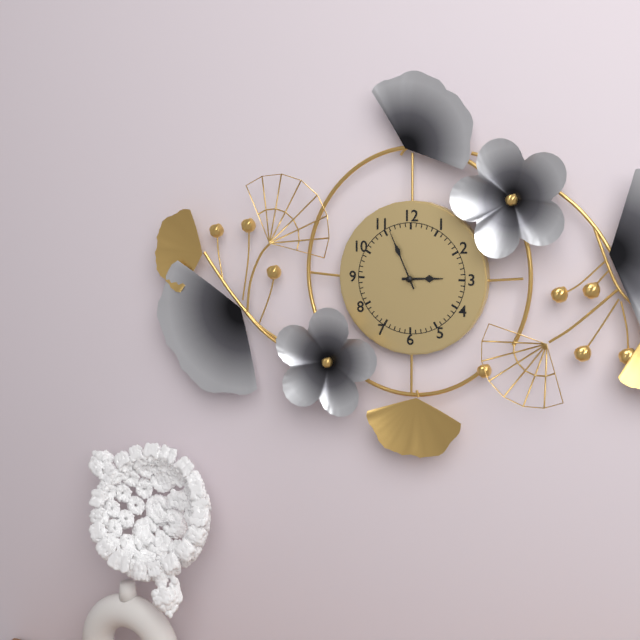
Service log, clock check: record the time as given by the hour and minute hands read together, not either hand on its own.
2:56
